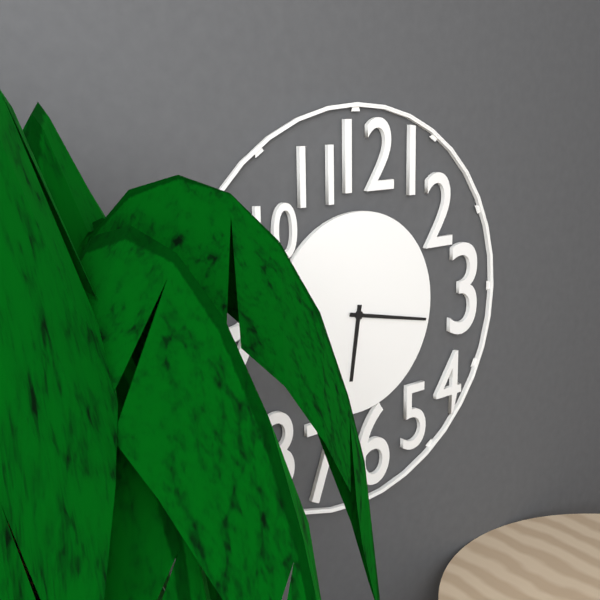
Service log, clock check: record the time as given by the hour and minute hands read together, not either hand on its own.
6:17
